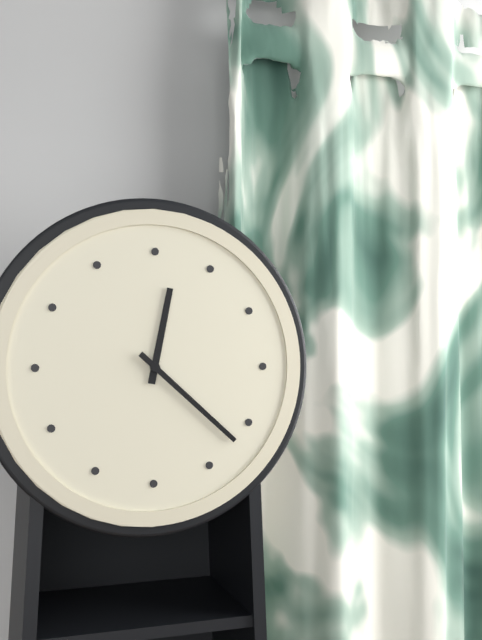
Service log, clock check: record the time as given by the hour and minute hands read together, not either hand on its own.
12:22
